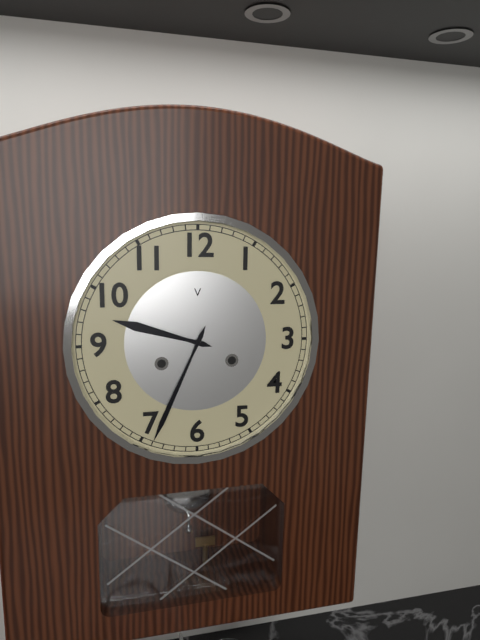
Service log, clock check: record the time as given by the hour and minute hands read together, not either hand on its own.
9:34
